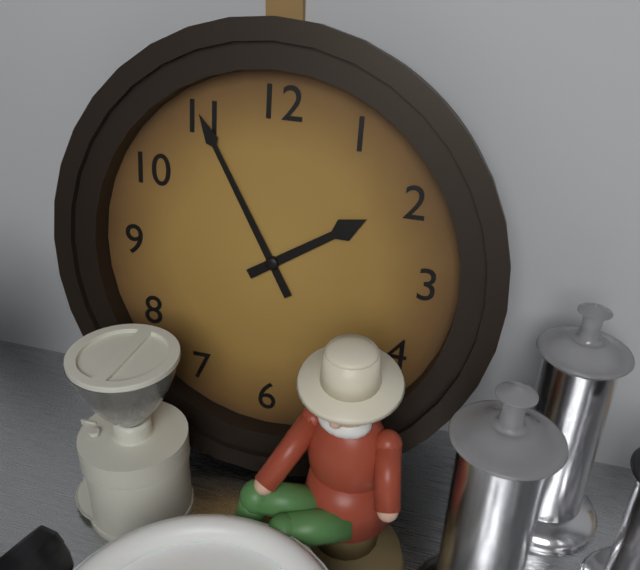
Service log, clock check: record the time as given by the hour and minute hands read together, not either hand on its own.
1:55
